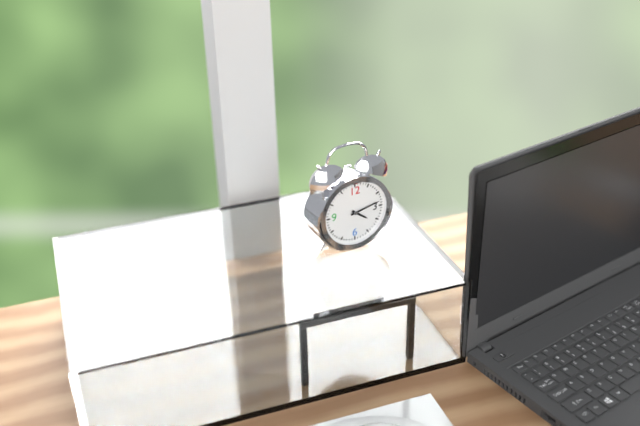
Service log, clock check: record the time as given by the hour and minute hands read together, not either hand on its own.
4:13
